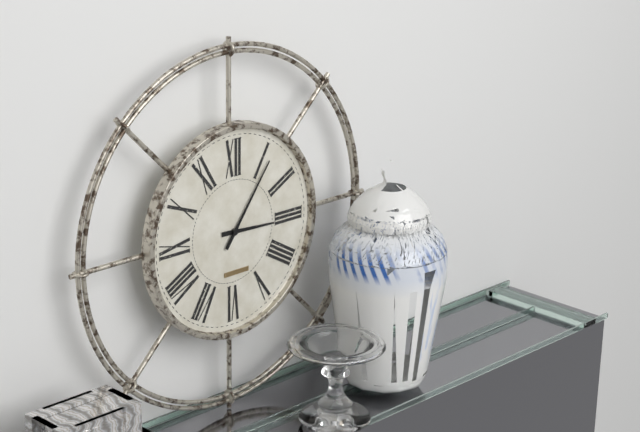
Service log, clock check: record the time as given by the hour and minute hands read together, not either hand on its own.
3:06
